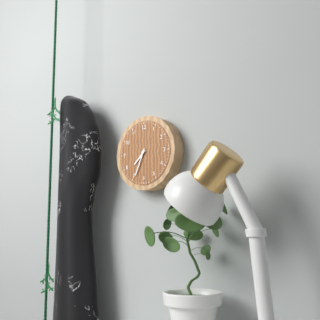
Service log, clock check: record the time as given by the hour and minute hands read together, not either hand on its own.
7:34
